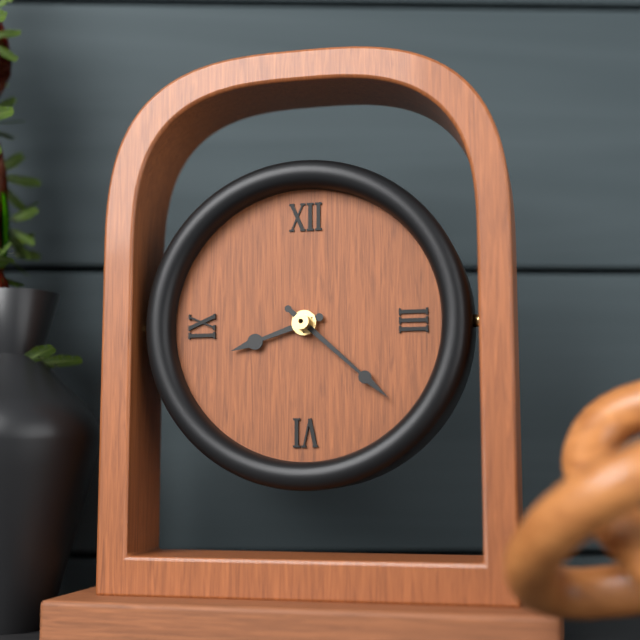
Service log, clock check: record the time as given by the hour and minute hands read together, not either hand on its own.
8:22
